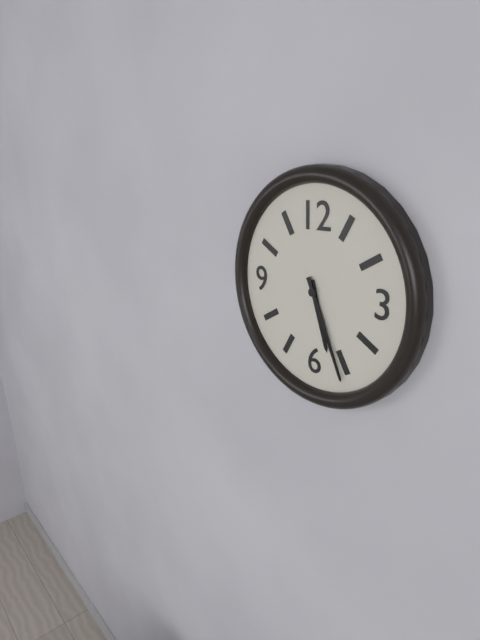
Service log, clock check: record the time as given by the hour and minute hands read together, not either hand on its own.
5:26
